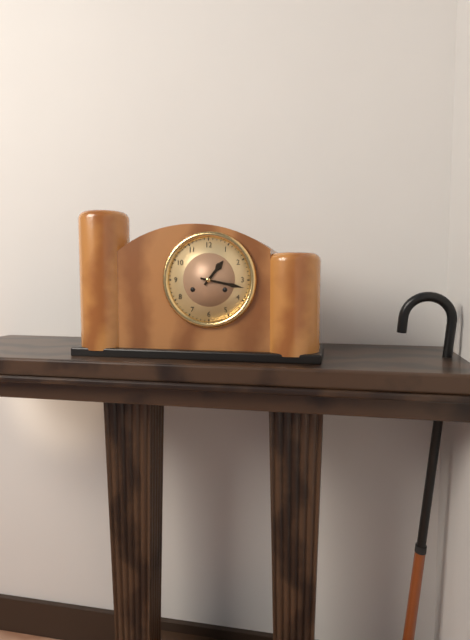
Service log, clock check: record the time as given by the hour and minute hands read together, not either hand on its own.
1:17
